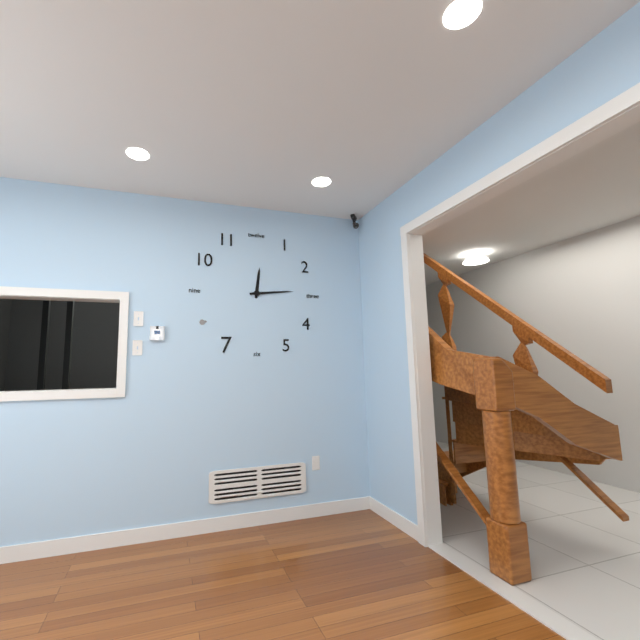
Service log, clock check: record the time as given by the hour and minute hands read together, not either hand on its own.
12:14
